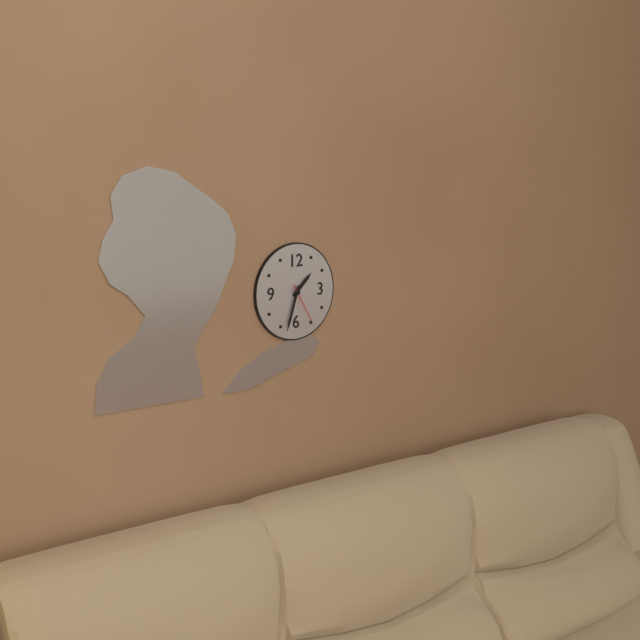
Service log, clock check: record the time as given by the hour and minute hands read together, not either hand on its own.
1:33
